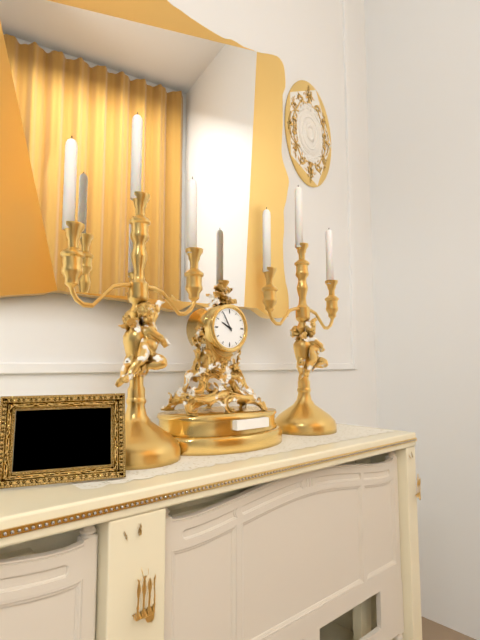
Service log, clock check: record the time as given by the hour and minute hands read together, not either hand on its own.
9:55
